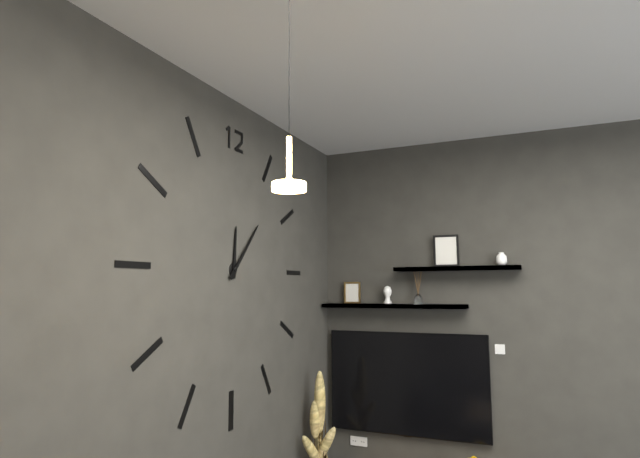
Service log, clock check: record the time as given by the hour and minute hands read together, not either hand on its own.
12:07
